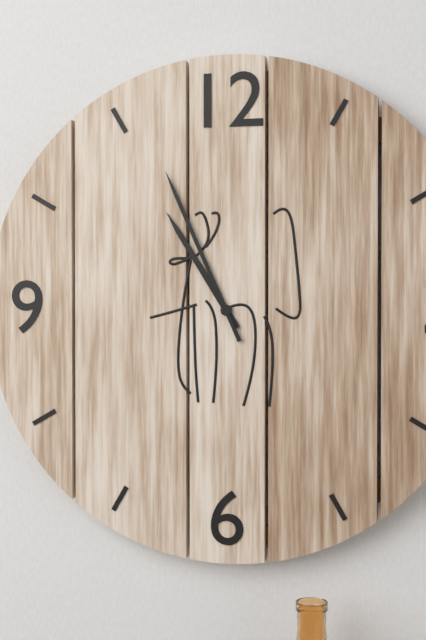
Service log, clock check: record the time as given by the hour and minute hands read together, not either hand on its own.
10:56
